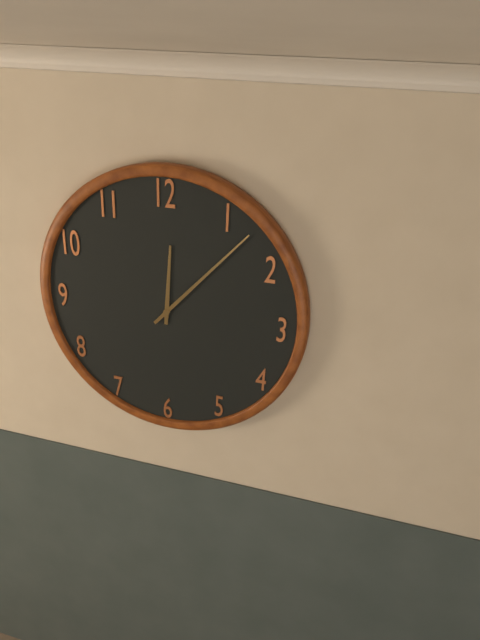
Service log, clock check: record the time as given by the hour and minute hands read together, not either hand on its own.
12:07
